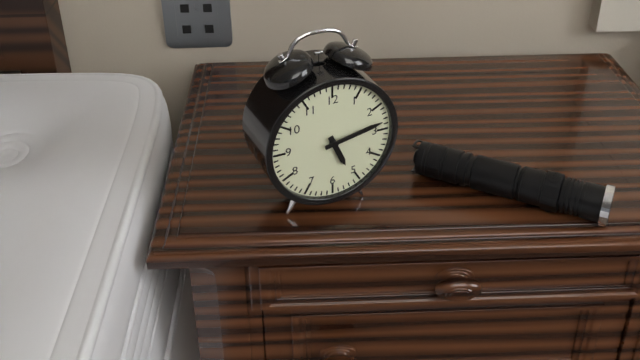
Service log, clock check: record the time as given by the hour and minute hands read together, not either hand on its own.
5:13
